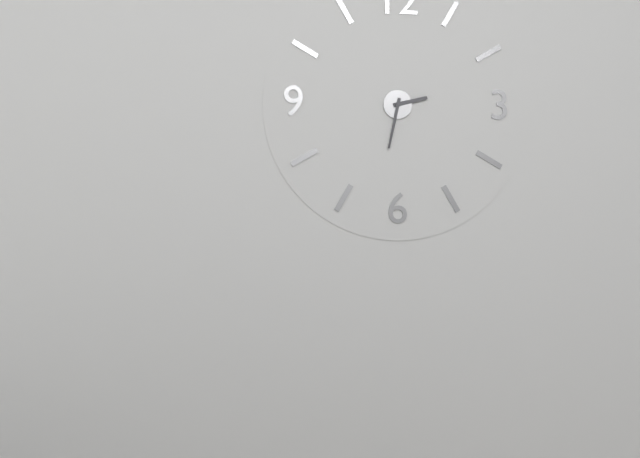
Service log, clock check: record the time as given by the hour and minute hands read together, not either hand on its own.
2:32
